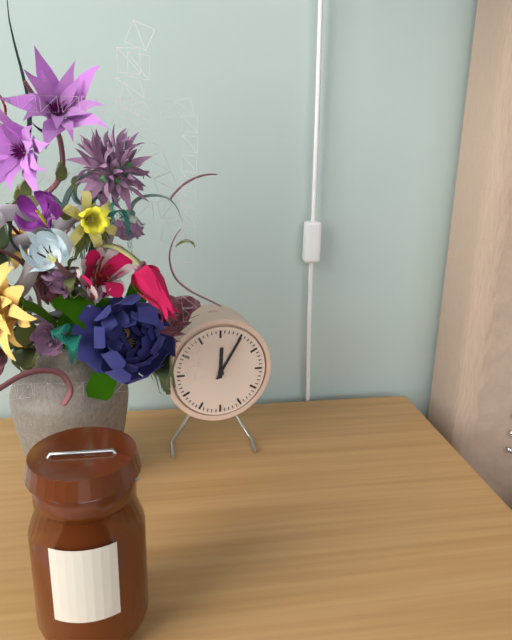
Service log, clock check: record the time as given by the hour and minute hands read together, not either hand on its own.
12:05
